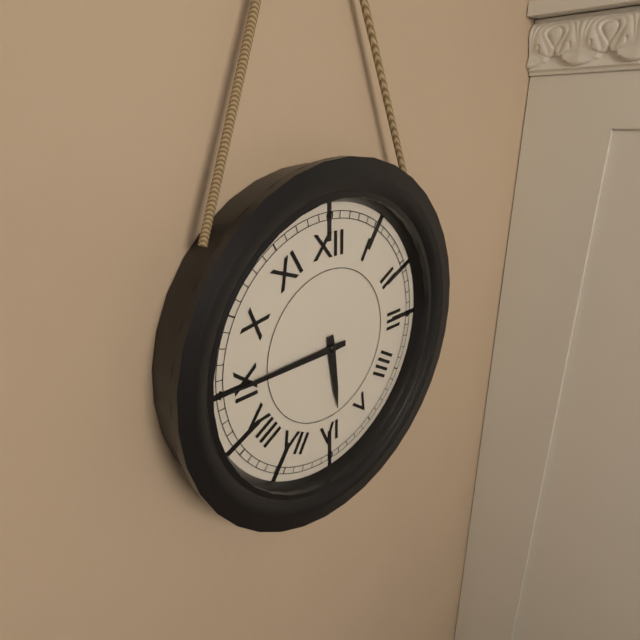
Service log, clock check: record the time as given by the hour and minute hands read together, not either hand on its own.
5:45
